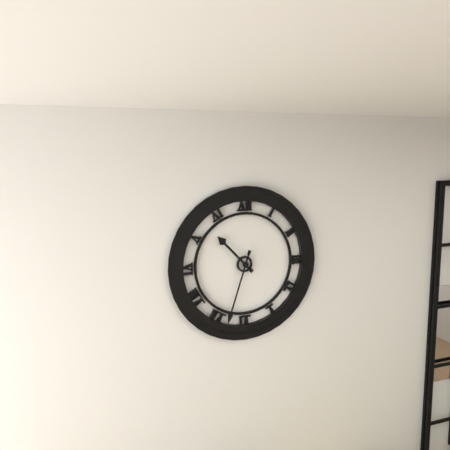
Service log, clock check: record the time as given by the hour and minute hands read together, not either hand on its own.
10:33
